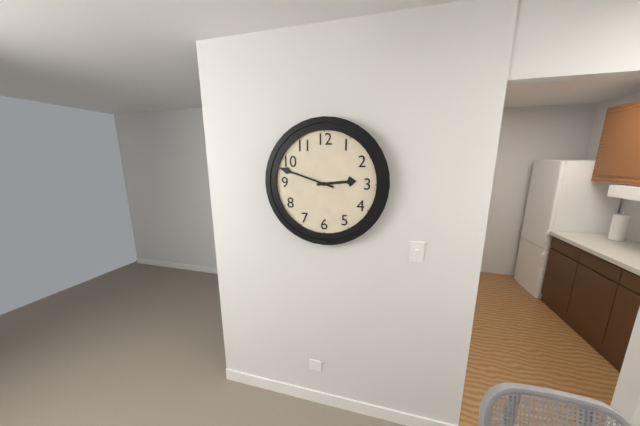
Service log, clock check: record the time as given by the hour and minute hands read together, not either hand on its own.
2:48
